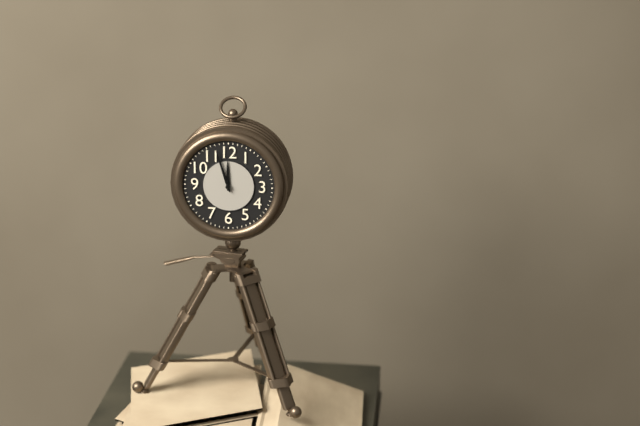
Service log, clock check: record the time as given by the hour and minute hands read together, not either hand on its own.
11:57
